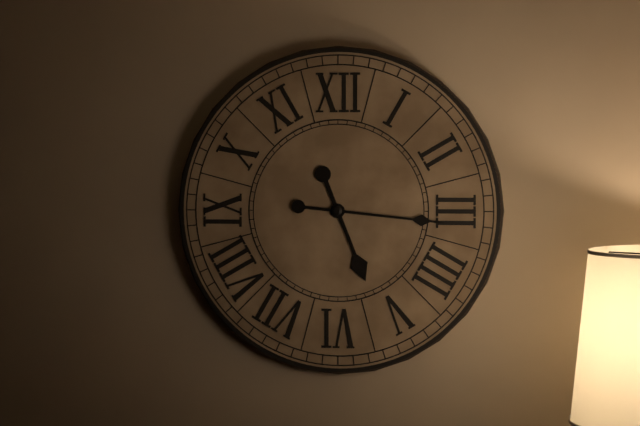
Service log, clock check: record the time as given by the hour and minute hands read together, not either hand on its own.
5:16
